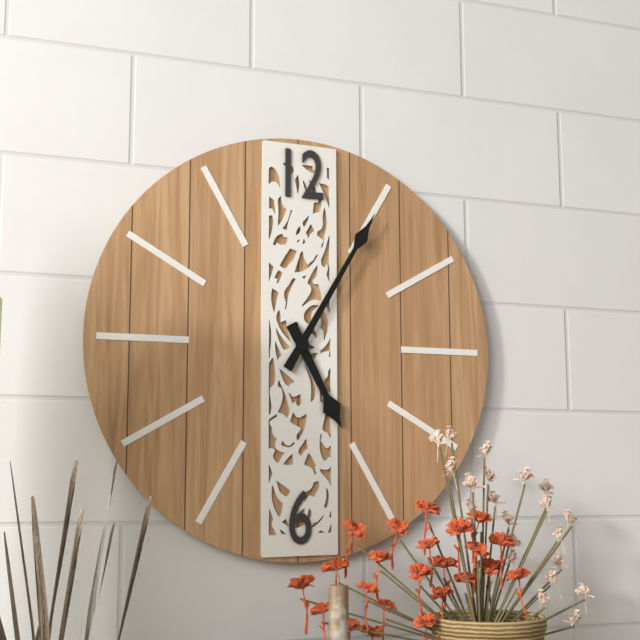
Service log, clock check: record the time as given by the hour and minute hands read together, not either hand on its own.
5:05
